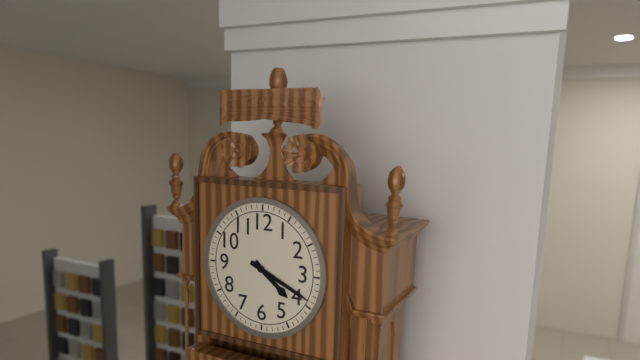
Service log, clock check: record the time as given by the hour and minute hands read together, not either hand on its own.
4:19
